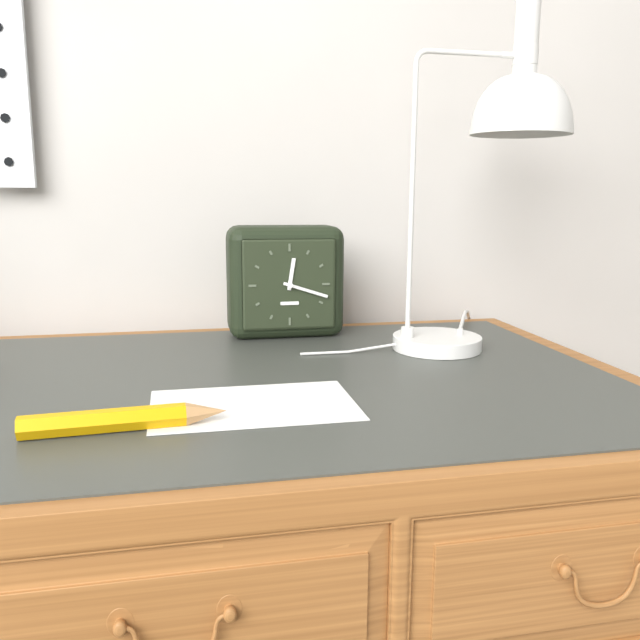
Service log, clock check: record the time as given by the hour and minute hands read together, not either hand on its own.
12:18
